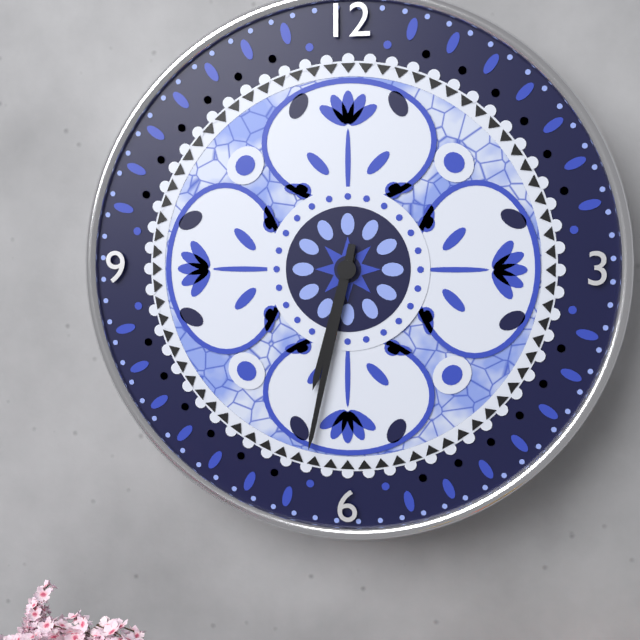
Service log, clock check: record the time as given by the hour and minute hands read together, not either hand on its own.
6:32
